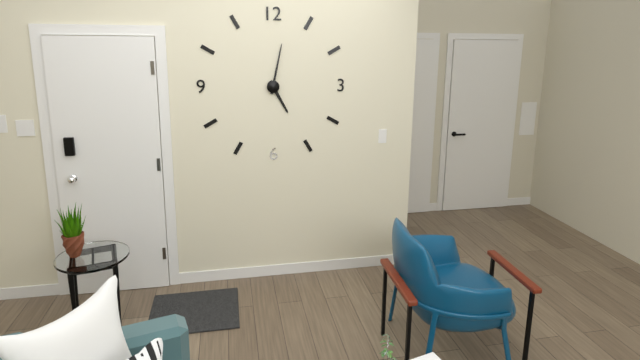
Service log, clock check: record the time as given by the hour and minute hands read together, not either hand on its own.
5:02
